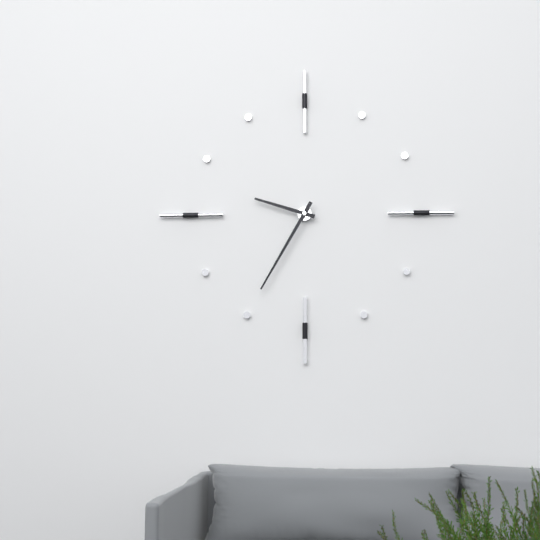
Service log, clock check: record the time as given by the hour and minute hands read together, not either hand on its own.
9:35
